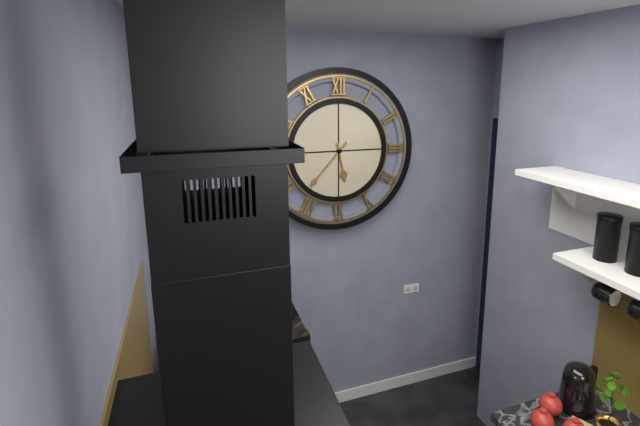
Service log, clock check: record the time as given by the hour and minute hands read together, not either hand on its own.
5:37
